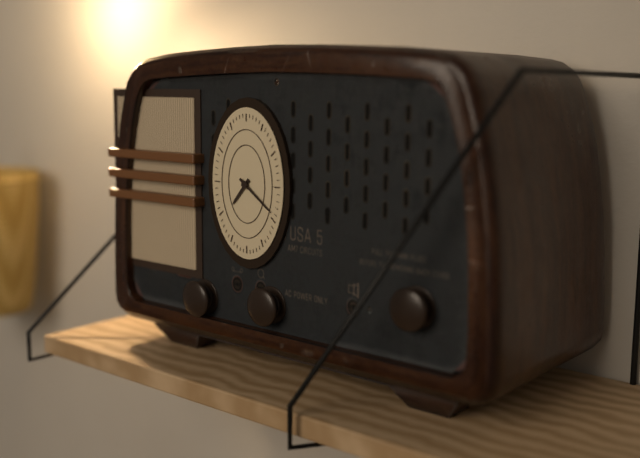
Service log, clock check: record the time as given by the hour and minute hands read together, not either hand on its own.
7:21
